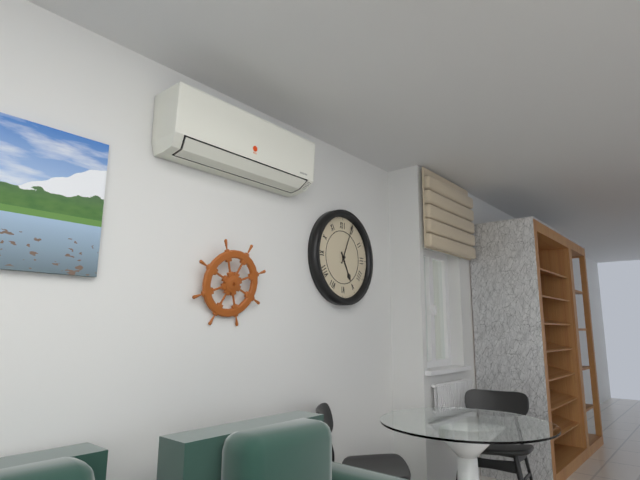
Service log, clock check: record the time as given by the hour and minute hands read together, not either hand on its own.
5:04
